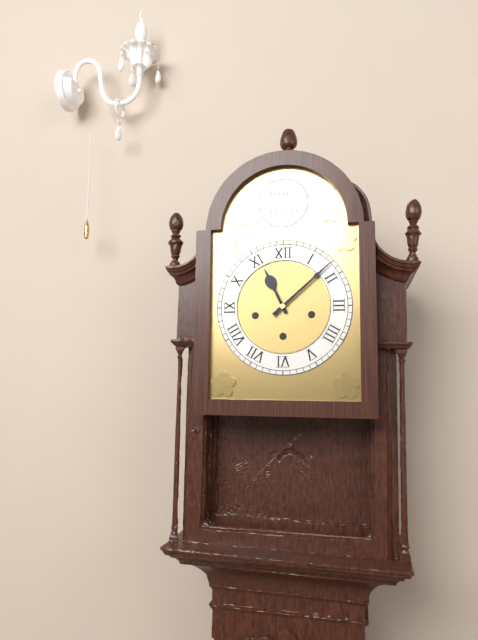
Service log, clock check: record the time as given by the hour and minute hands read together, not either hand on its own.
11:08
